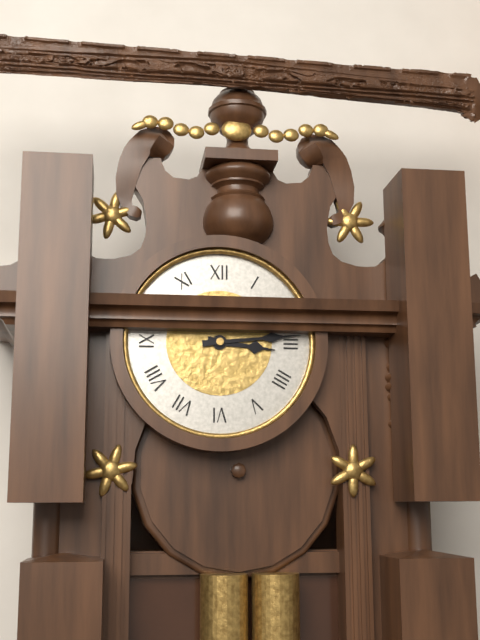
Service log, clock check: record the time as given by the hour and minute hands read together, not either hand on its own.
3:14
